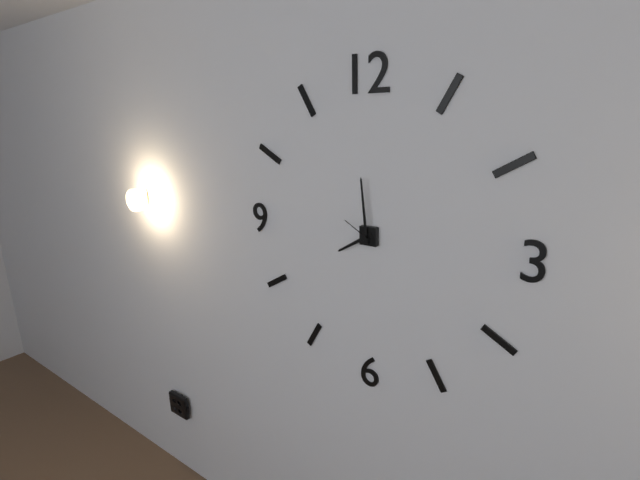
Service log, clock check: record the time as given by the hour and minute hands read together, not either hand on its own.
7:59
